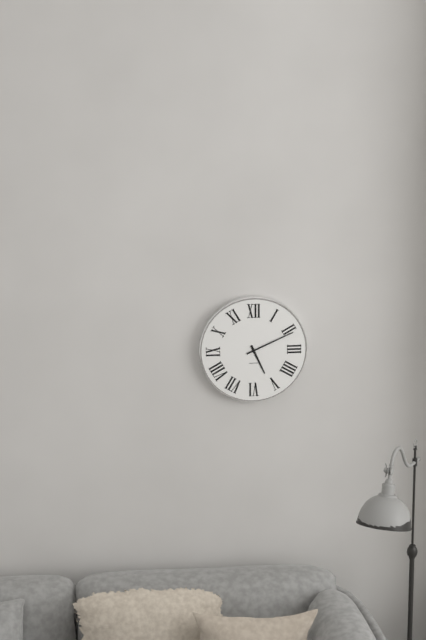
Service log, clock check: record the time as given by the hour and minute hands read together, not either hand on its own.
5:11
